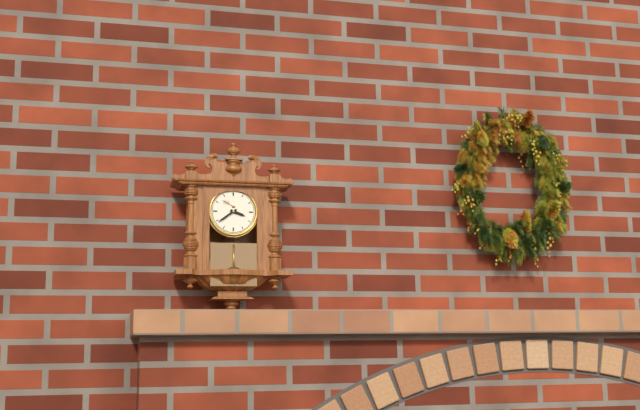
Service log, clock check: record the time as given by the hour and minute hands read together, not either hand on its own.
3:39
